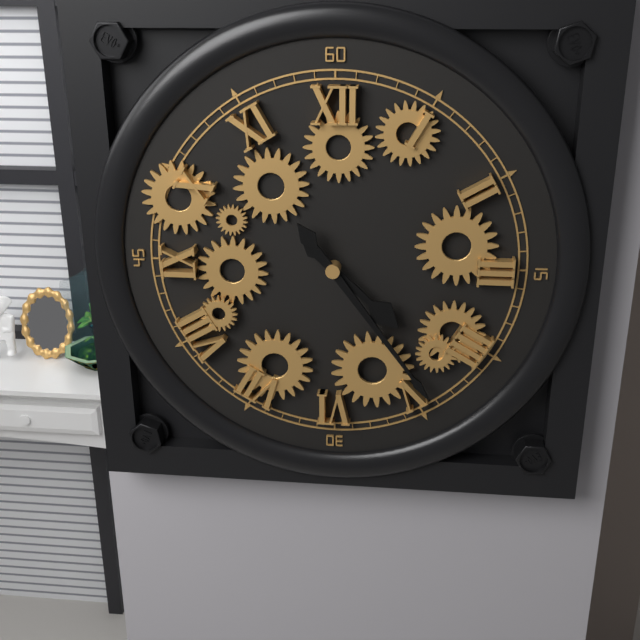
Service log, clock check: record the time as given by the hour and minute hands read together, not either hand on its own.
4:24
